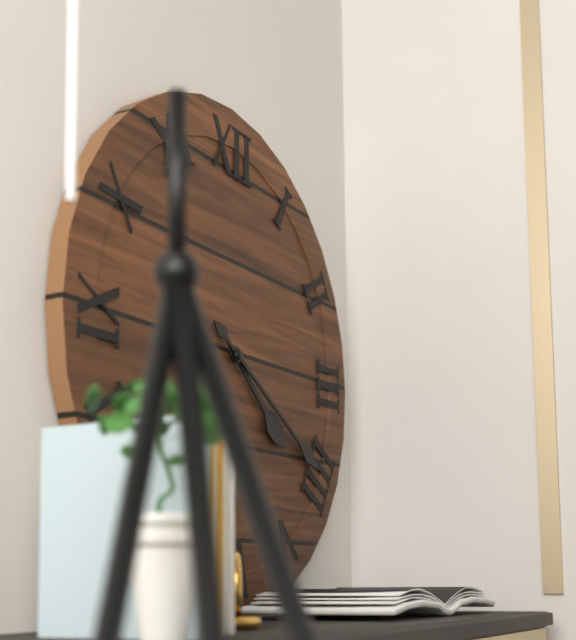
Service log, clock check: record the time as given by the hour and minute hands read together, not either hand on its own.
4:20
